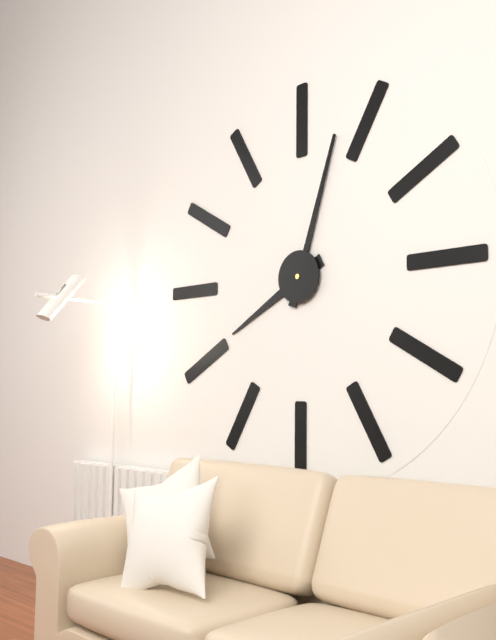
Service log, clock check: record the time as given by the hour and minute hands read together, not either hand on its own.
8:03
